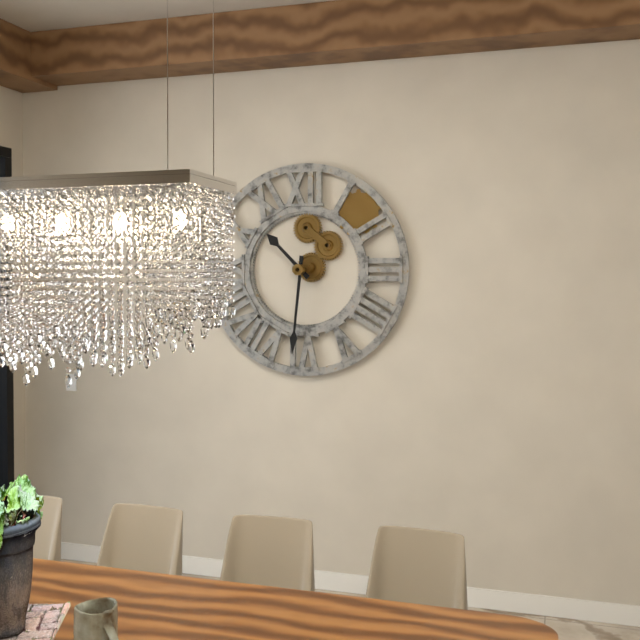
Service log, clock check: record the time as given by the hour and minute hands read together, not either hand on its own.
10:31
